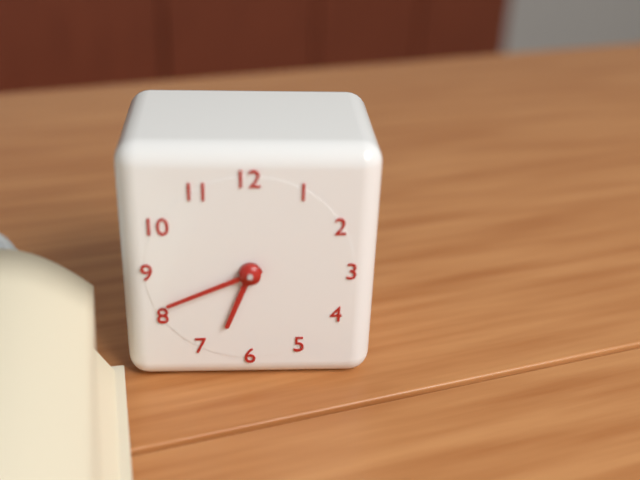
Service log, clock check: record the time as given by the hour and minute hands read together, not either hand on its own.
6:41
